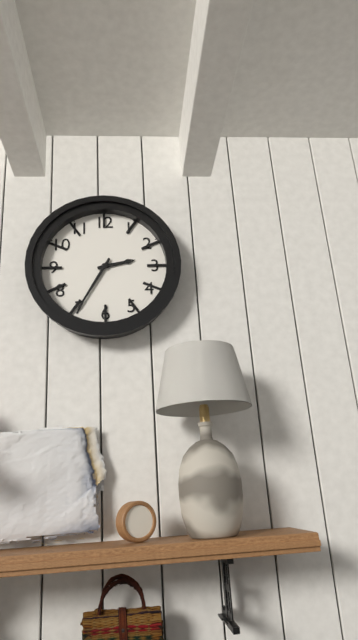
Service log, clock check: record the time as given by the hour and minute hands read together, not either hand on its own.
2:35
